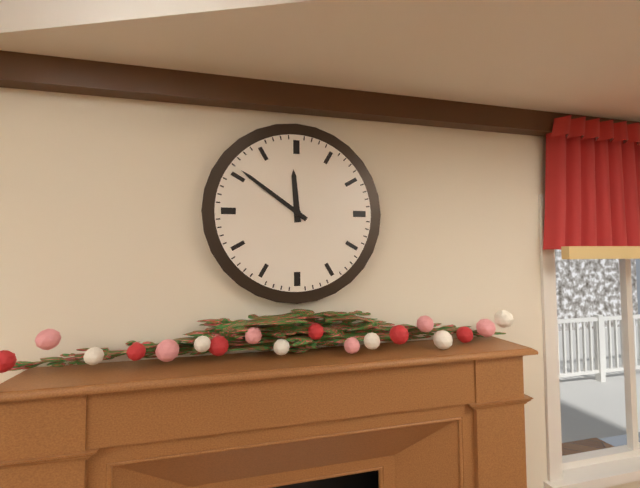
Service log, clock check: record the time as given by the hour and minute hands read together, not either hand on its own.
11:51
